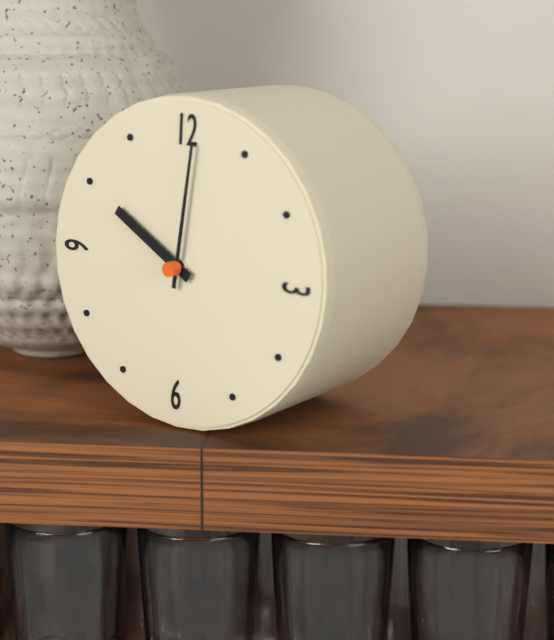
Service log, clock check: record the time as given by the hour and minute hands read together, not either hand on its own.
10:01
